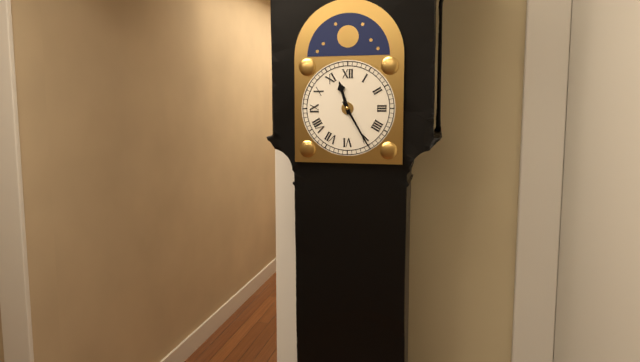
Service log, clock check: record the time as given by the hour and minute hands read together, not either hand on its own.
11:25
